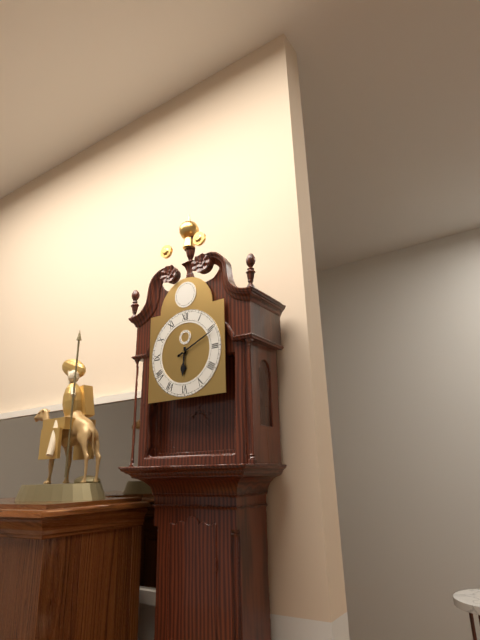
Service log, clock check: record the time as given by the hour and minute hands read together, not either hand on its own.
6:11
